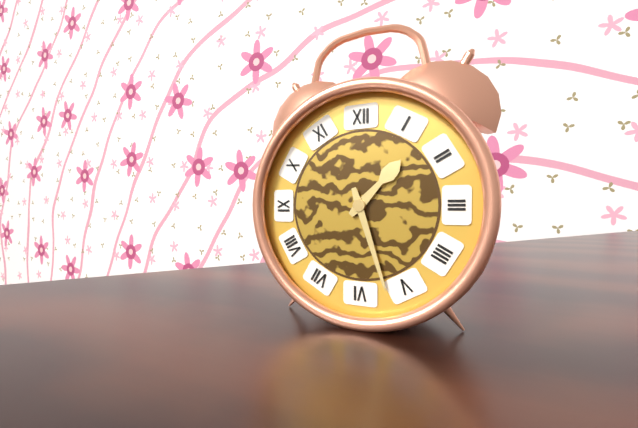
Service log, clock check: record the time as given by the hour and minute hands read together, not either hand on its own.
1:27
